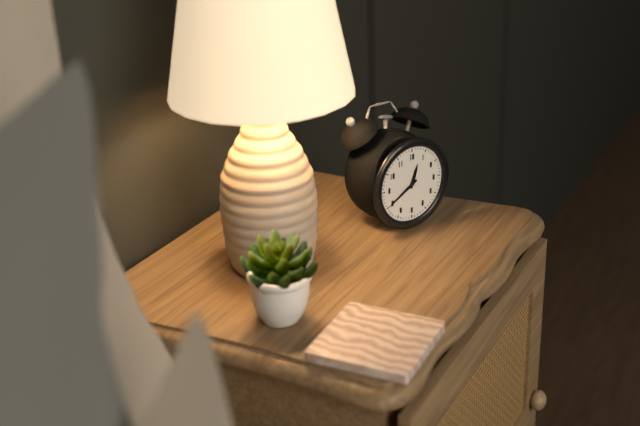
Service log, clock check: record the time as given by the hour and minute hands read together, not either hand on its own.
12:40
